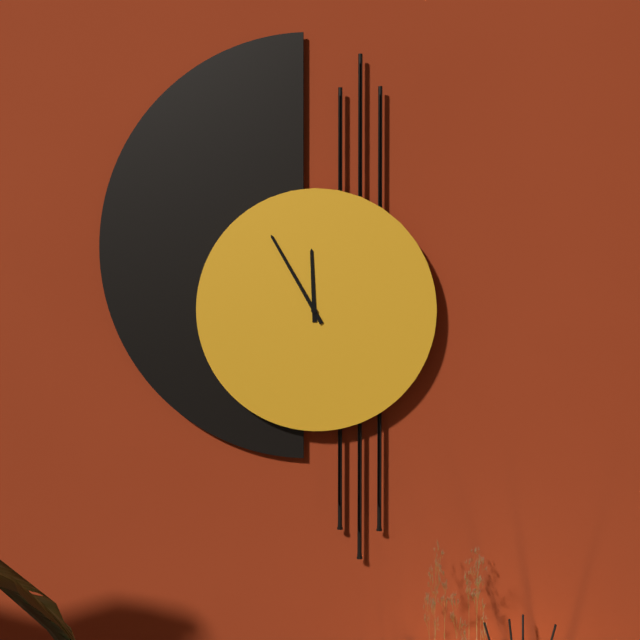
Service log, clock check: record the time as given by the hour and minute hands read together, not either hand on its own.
11:55
